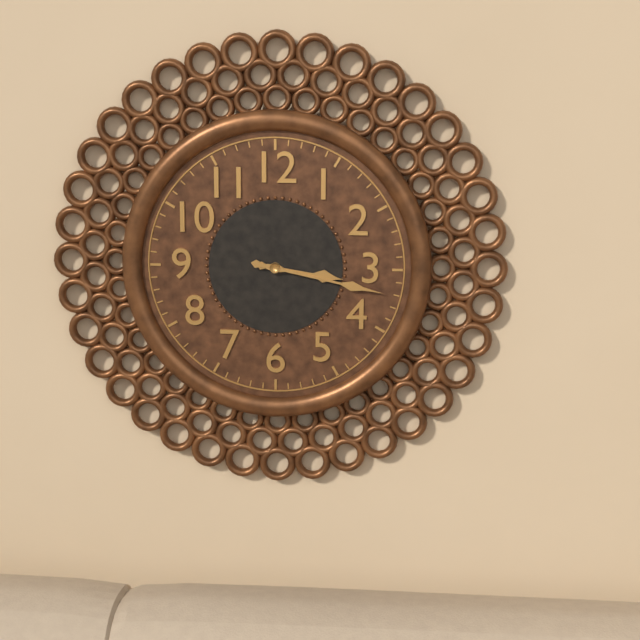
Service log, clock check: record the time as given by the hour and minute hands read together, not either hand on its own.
3:17
